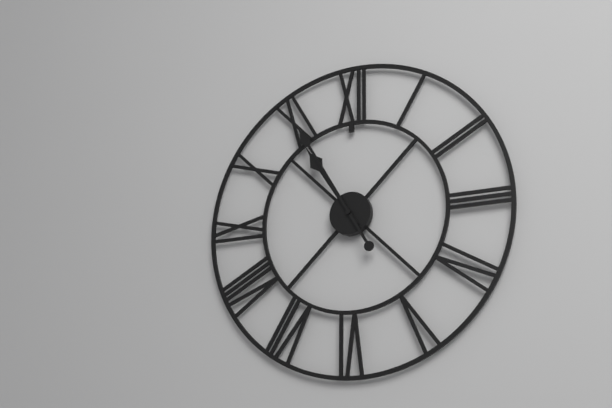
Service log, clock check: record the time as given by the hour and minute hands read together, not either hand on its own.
10:55
